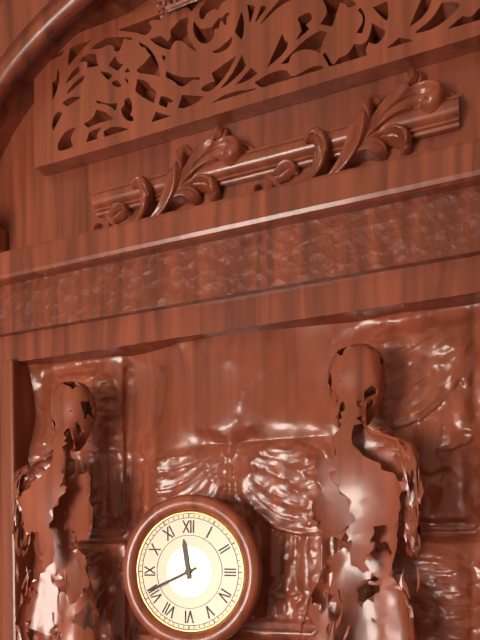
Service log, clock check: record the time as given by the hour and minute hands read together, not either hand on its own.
11:41
